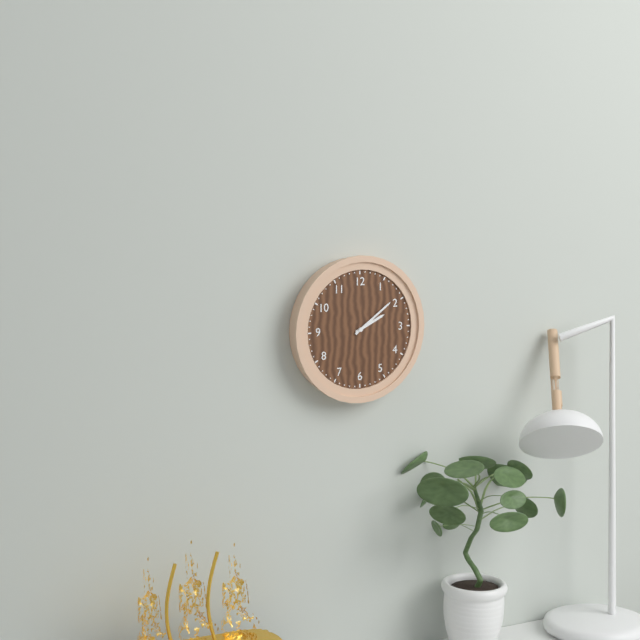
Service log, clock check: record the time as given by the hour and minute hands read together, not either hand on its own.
2:09
